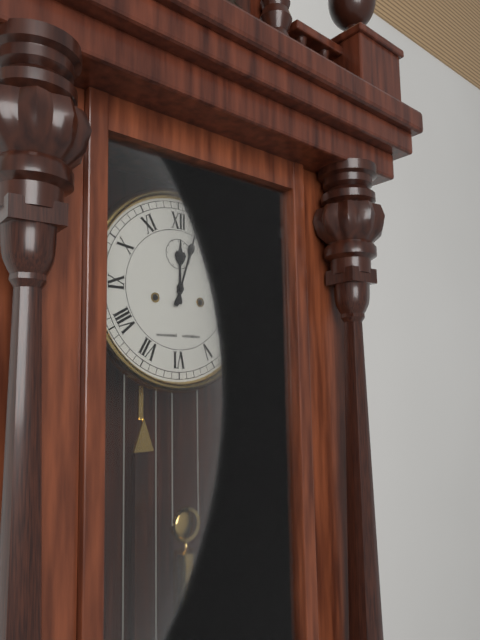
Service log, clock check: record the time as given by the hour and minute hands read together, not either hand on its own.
12:03
